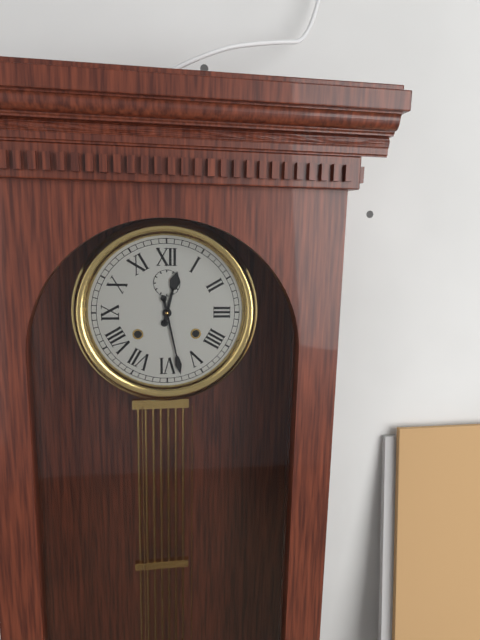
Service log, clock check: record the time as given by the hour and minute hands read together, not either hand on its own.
12:28
